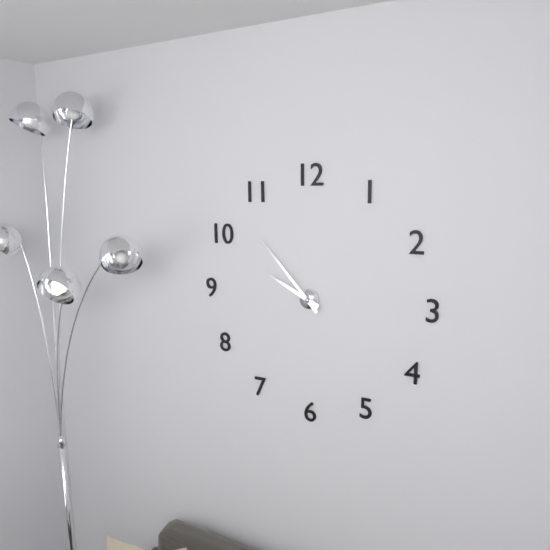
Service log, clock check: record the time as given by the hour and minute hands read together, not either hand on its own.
9:53
